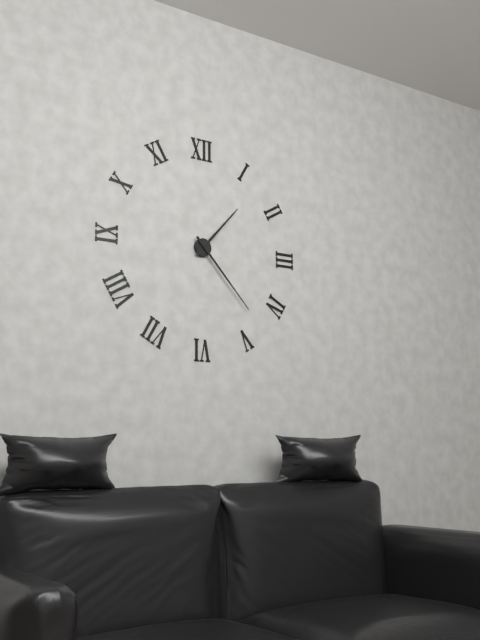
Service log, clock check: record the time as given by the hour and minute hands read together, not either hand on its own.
1:23
